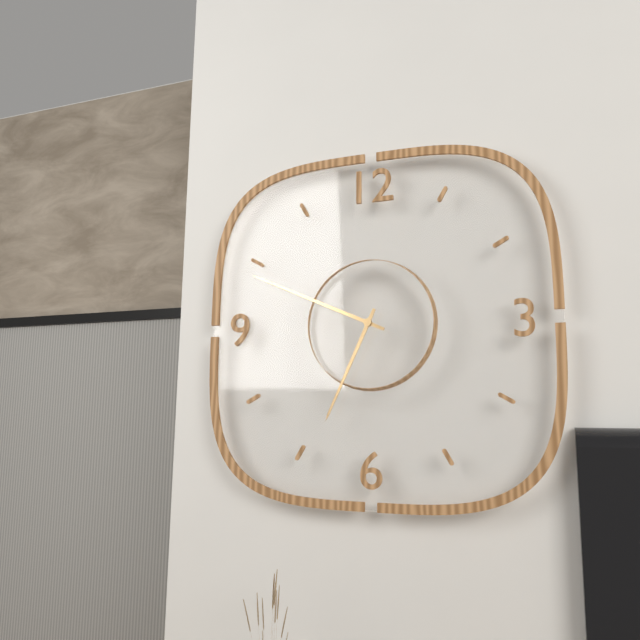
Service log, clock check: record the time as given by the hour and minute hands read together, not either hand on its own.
6:49
